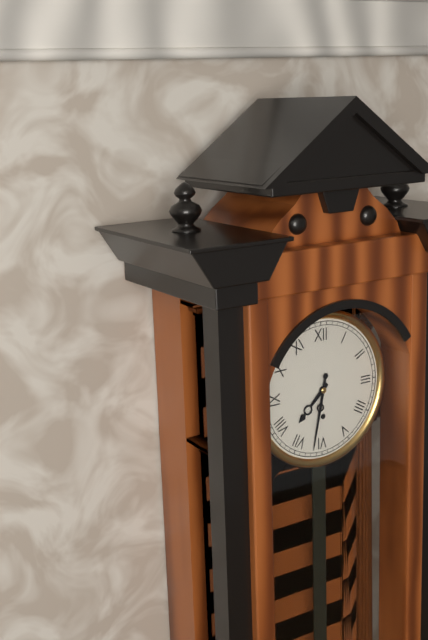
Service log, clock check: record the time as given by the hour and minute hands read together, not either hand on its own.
7:32
